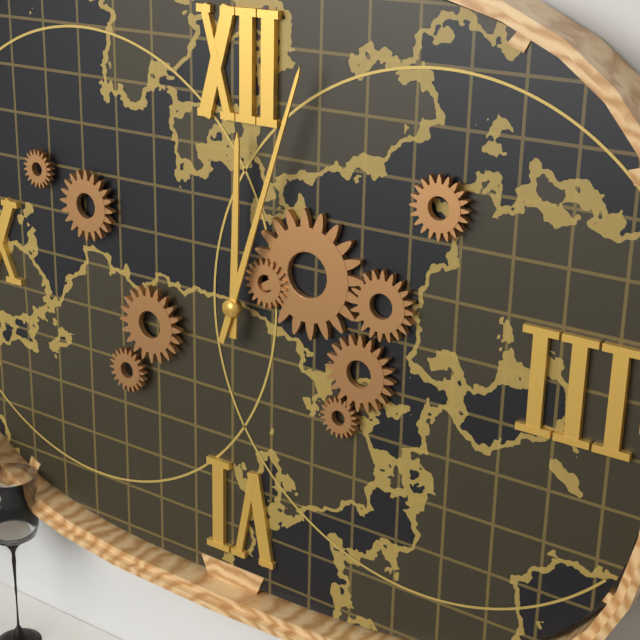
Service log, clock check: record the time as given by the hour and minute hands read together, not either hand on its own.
12:03
